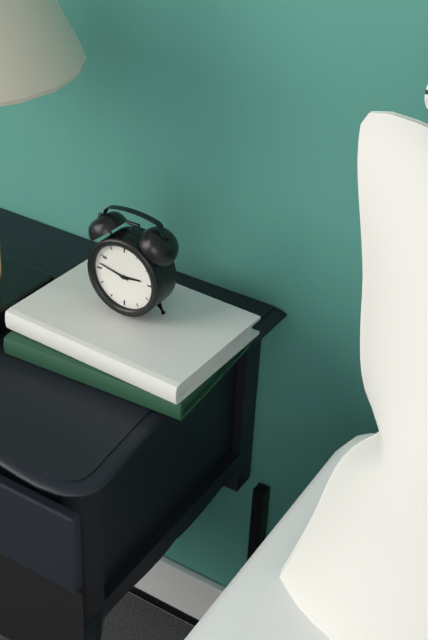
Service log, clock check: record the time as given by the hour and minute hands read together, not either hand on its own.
2:47
